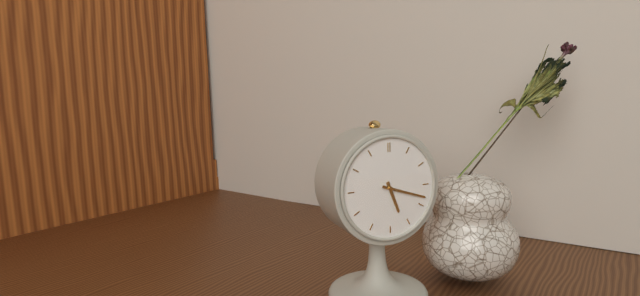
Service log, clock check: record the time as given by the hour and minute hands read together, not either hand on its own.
5:18
